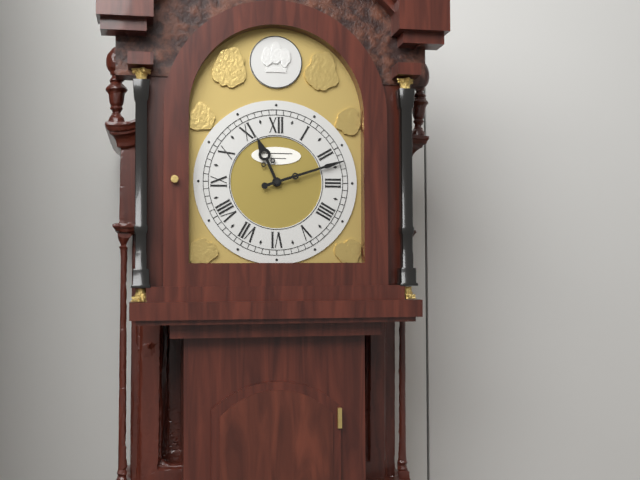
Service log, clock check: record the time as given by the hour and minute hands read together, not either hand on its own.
11:12
